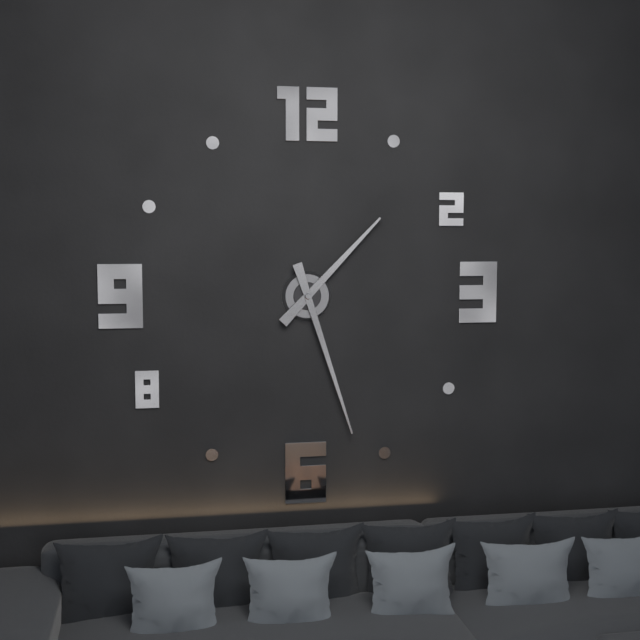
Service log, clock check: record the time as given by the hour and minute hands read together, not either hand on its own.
1:27
